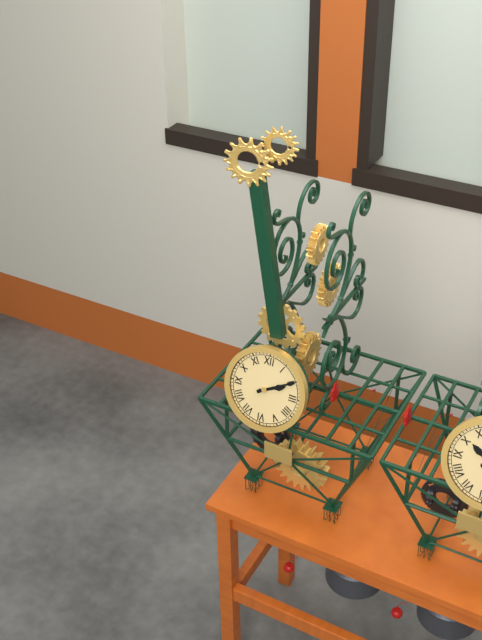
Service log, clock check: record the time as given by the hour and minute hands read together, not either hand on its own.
2:10
